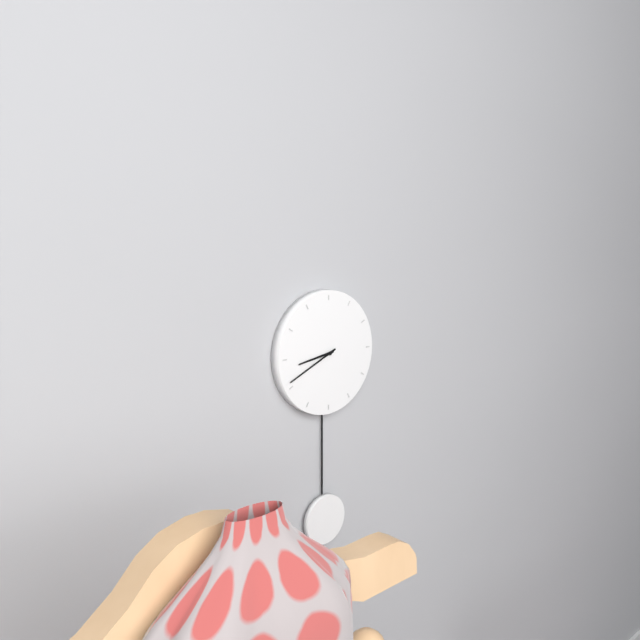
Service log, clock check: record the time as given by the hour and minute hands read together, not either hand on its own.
8:41
